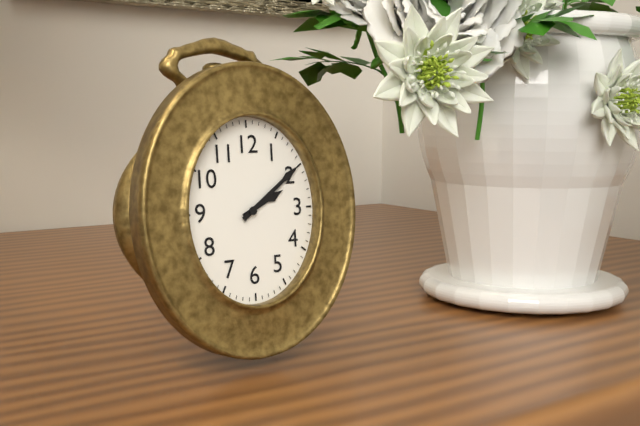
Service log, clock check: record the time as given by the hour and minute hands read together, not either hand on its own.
2:09
